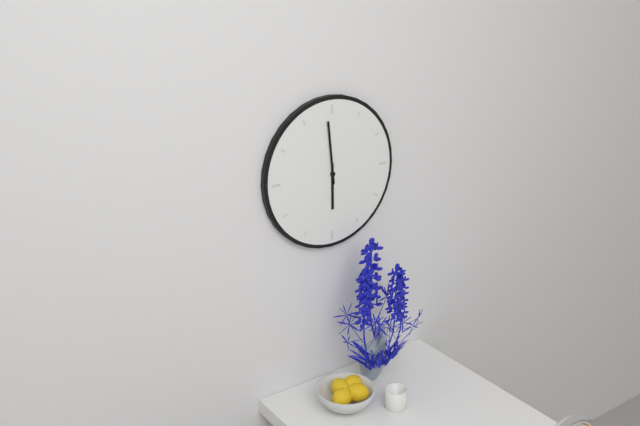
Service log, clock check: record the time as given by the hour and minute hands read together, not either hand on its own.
5:59
